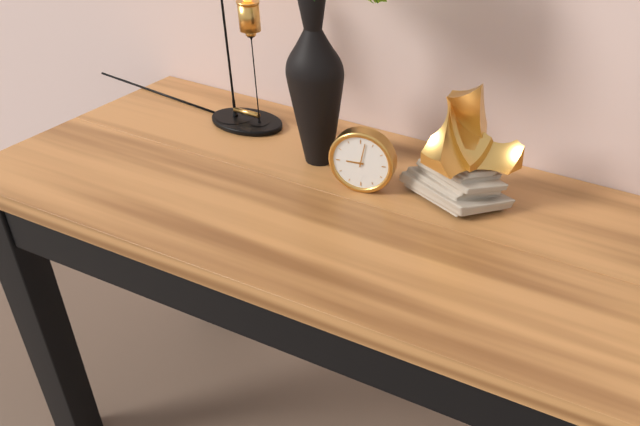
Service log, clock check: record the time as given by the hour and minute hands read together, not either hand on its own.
9:02
